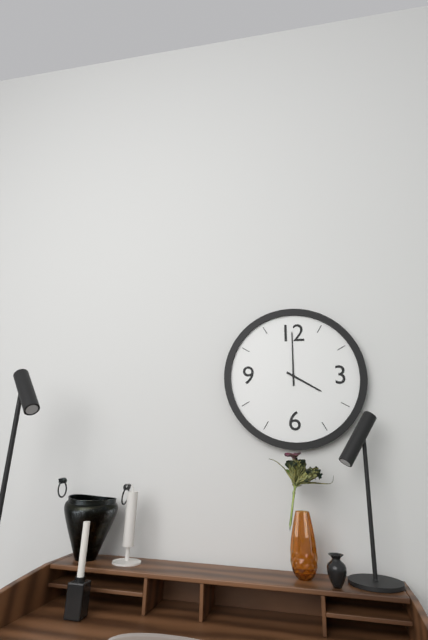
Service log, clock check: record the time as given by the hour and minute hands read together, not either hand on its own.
4:00
